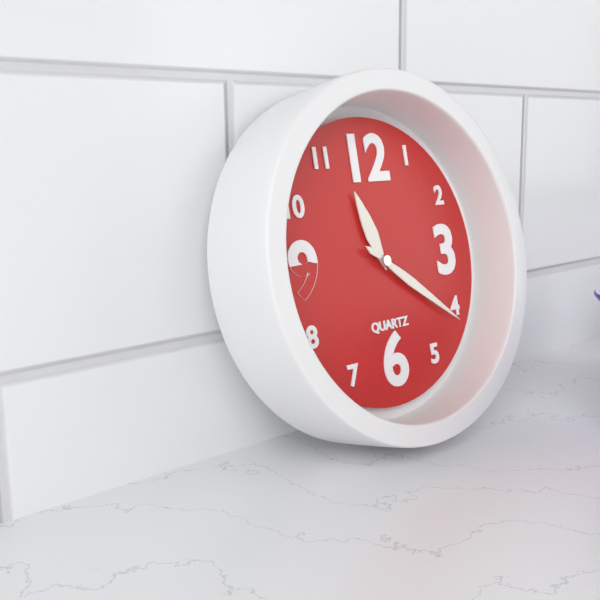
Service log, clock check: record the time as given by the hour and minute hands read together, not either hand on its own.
11:21
